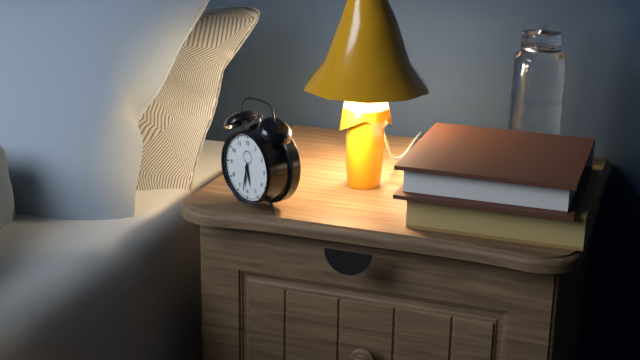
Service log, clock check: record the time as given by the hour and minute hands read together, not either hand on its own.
5:32
